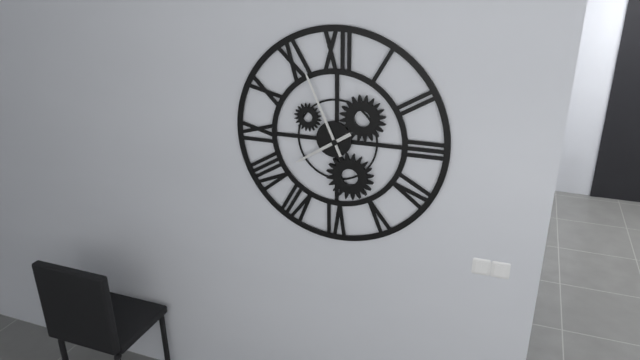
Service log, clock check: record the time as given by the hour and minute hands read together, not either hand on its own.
7:56
